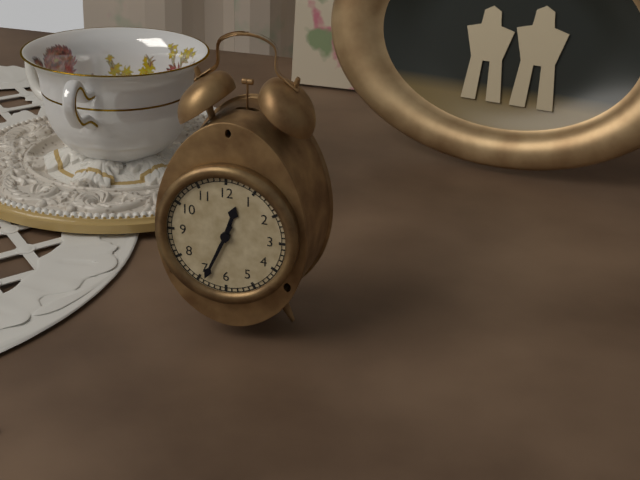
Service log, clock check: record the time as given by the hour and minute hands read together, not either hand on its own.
12:34
